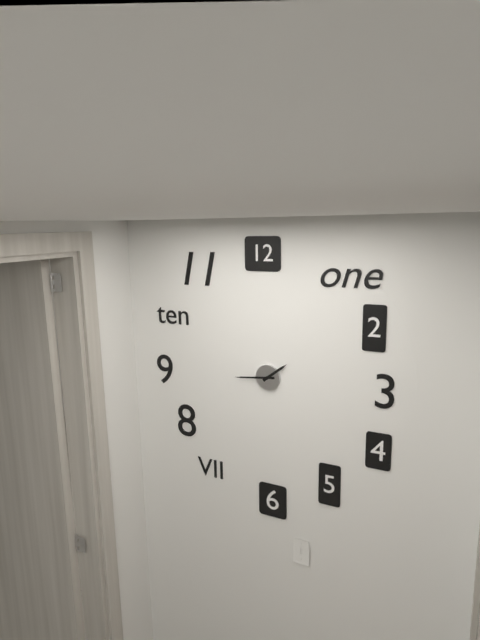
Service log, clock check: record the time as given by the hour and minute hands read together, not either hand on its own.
1:44
